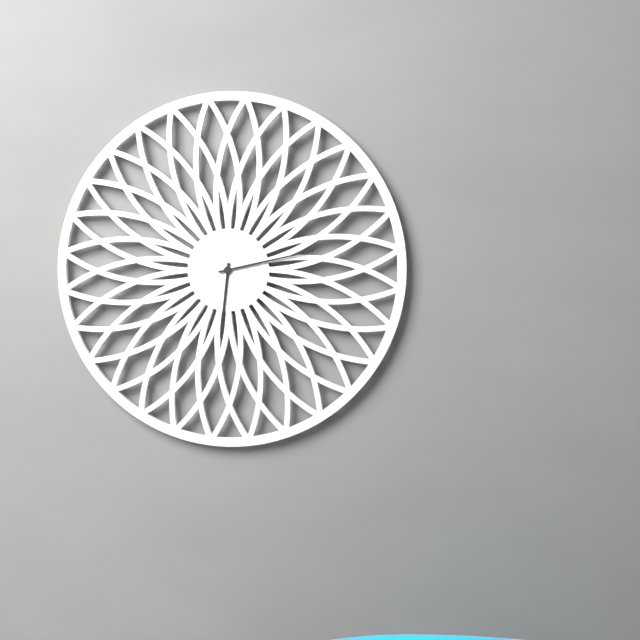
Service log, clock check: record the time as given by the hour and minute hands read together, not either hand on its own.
6:13
